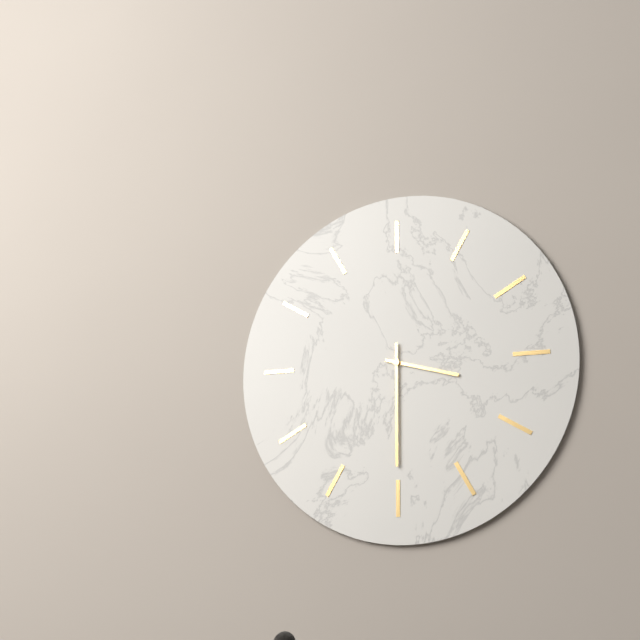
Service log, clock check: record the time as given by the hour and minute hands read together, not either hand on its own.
3:30
